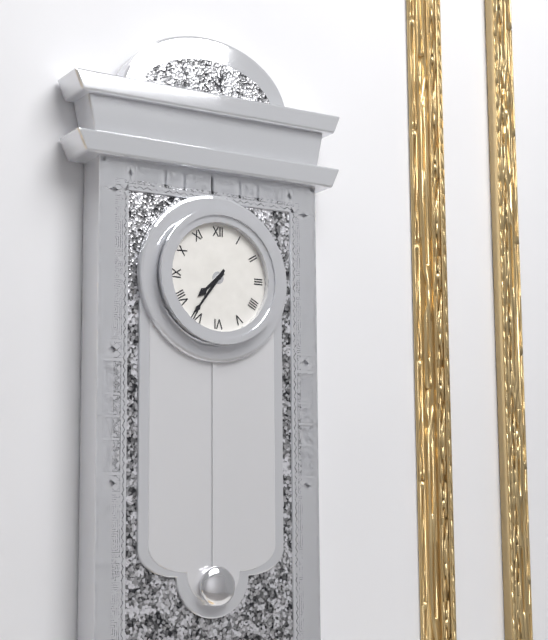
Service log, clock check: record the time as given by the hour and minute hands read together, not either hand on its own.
7:36
